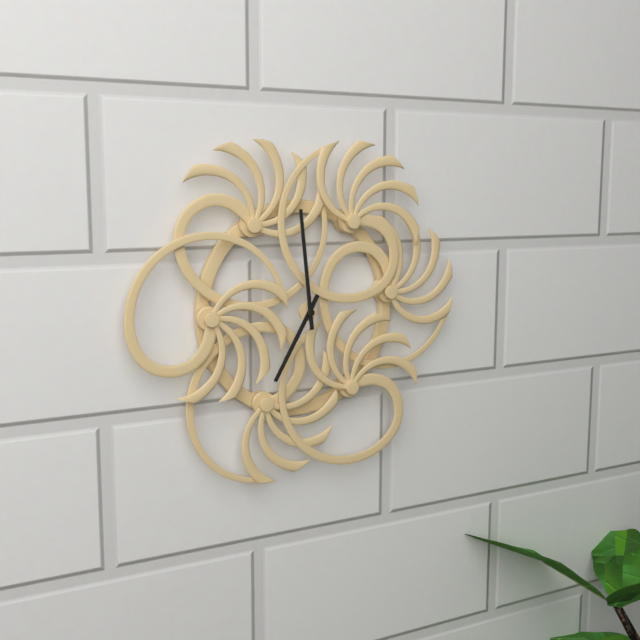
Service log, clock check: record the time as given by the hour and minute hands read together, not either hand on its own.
6:59
